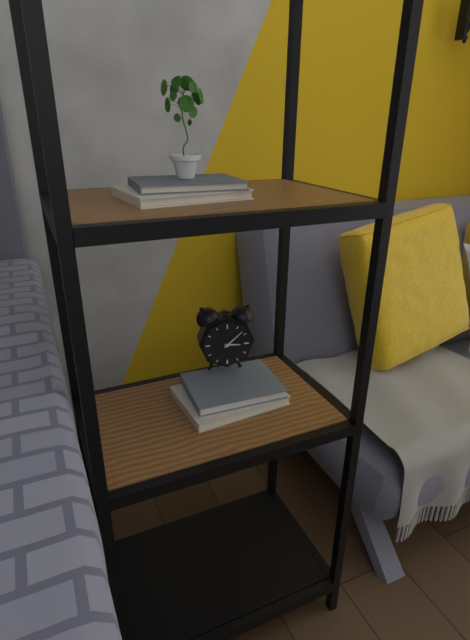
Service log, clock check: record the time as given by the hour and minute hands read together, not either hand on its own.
3:08
